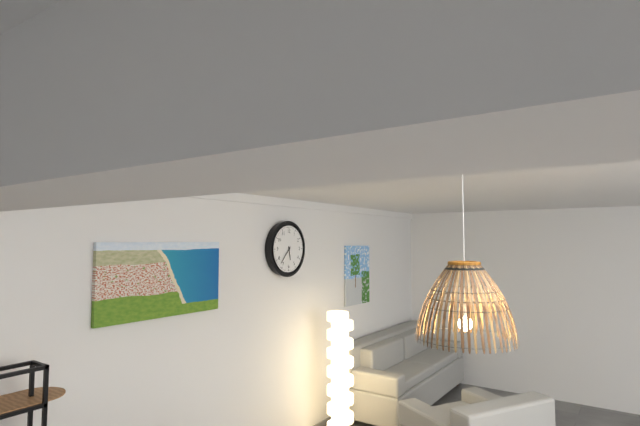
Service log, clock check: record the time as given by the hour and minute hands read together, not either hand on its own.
5:37
